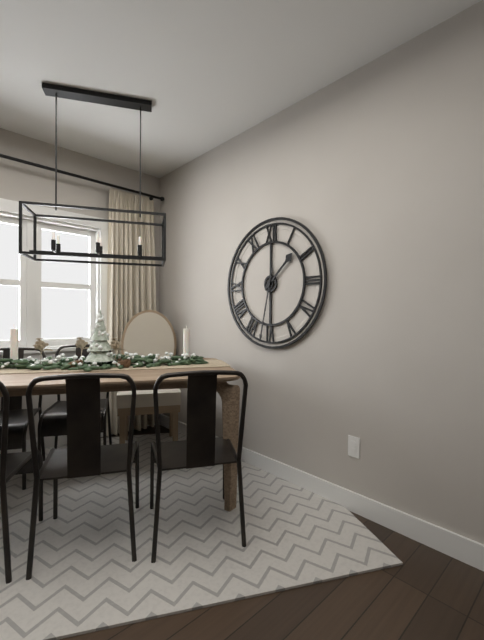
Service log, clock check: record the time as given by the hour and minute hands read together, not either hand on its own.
1:32
